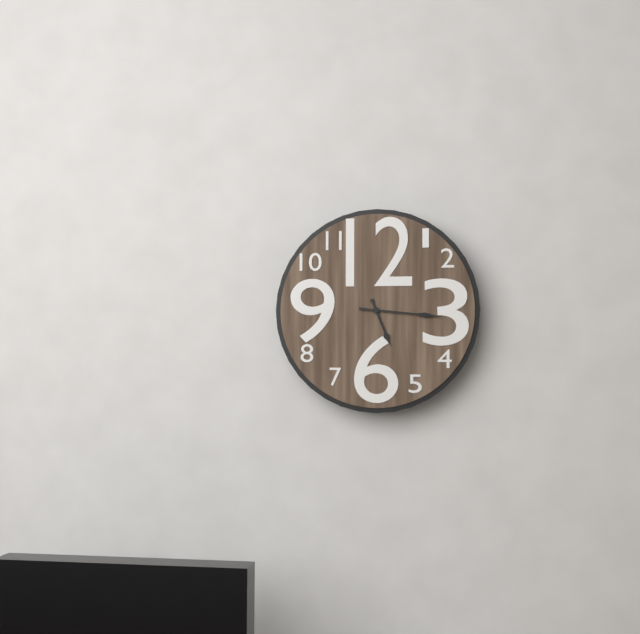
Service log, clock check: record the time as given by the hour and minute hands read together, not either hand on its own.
5:16
